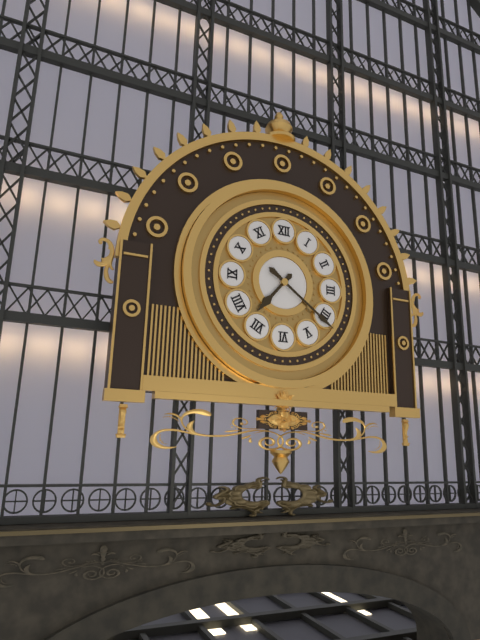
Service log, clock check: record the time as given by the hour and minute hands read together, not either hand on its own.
7:21
